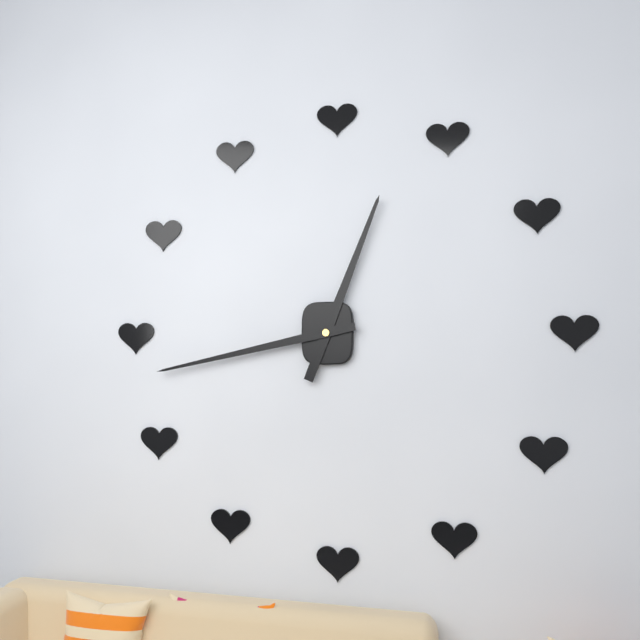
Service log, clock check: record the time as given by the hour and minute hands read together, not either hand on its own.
12:43
